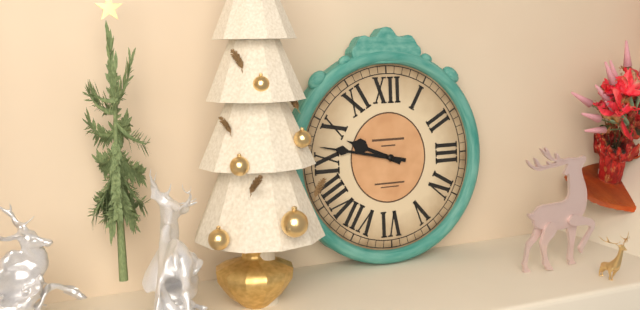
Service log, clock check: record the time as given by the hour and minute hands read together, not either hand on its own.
9:47
